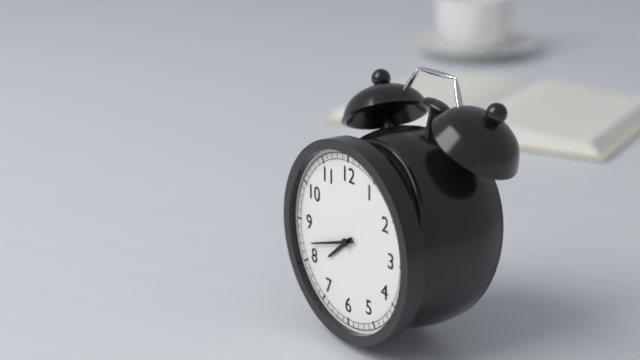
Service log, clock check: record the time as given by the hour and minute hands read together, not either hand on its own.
7:42
